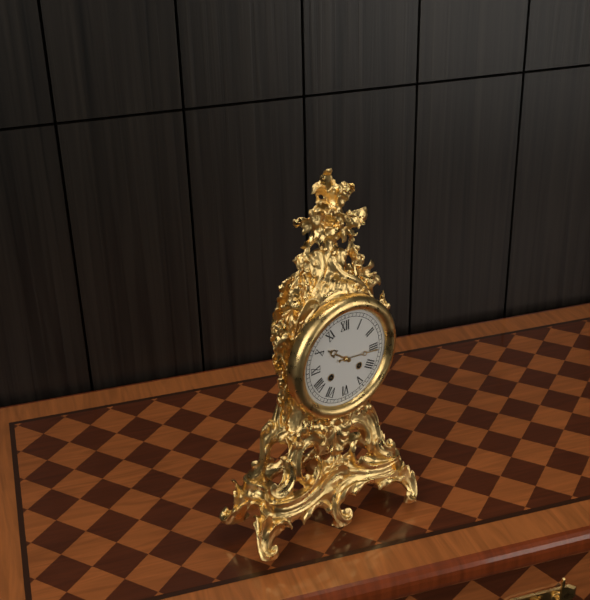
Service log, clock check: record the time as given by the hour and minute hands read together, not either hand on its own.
10:16
